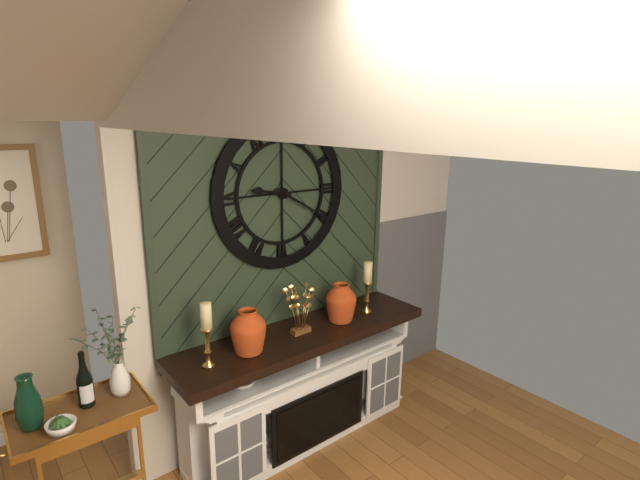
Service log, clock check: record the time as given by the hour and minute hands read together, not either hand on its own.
9:20
